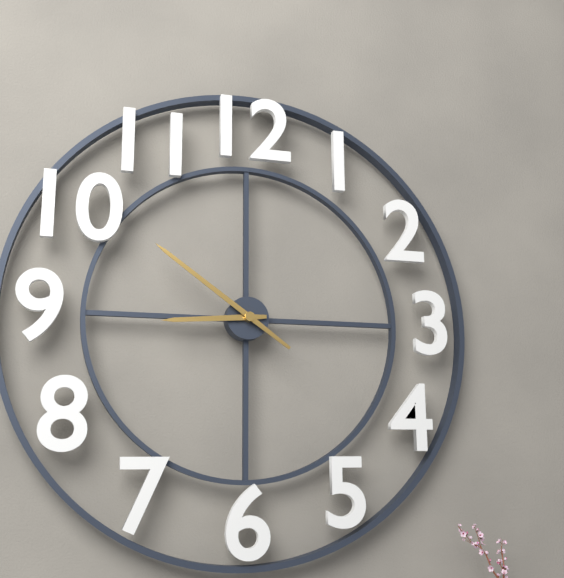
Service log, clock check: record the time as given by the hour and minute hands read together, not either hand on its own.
8:51
